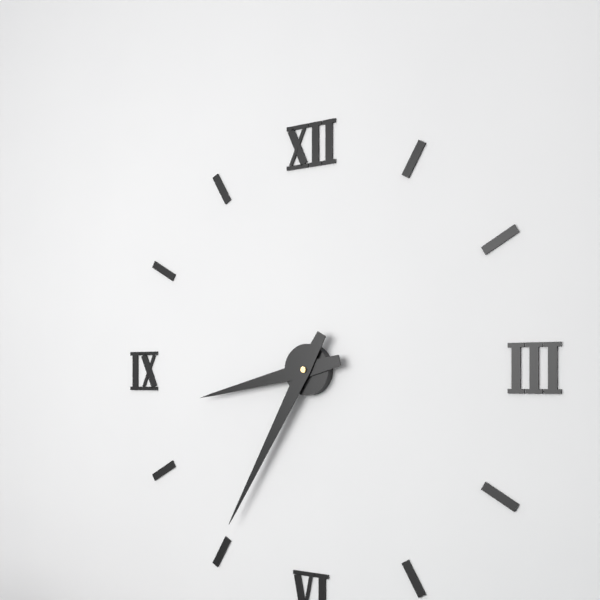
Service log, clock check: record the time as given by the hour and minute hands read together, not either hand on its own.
8:35
